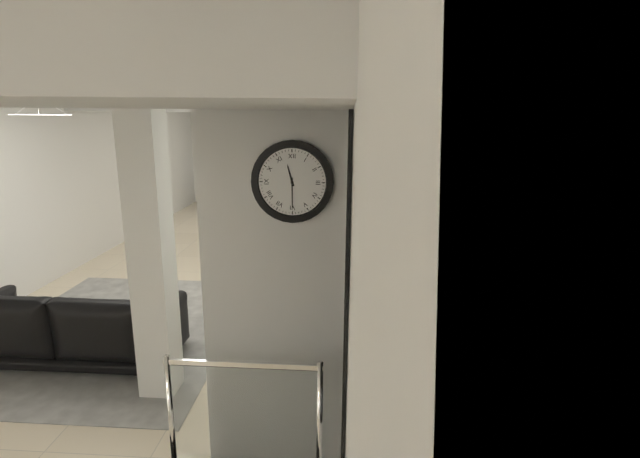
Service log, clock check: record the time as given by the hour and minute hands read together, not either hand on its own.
11:30
